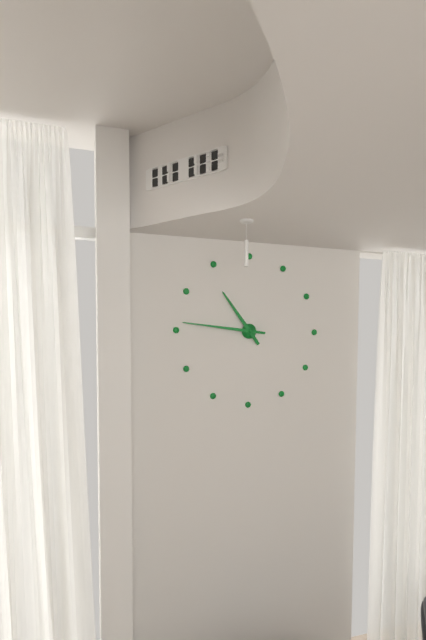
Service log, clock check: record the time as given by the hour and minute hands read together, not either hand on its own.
10:46
